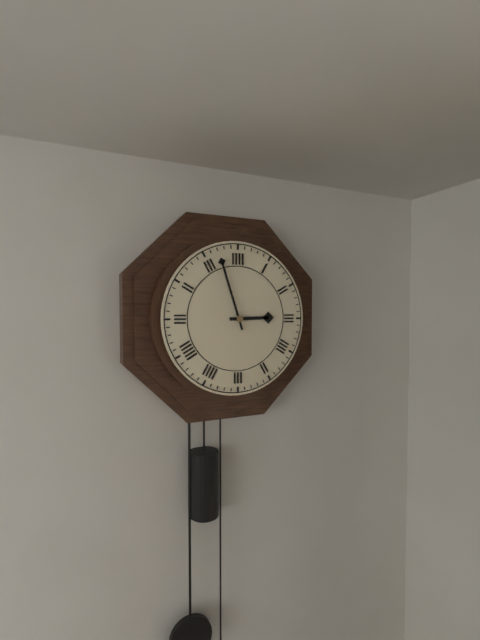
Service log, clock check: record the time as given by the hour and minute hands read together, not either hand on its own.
2:57
